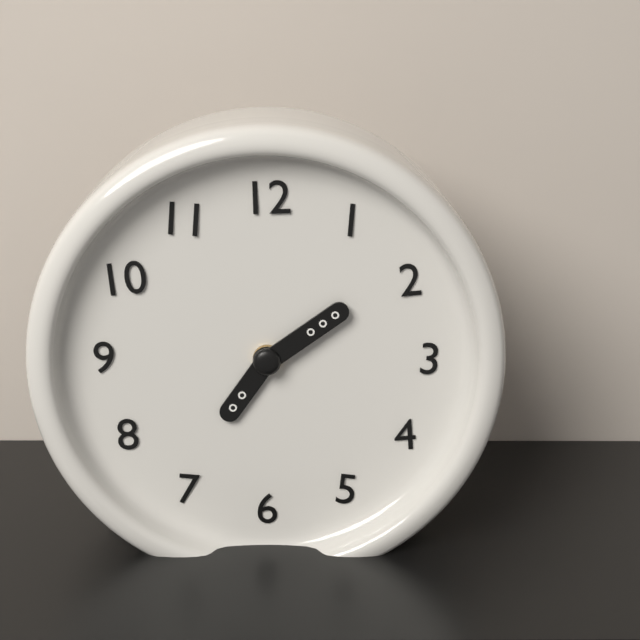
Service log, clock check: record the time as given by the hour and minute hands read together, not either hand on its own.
7:09
